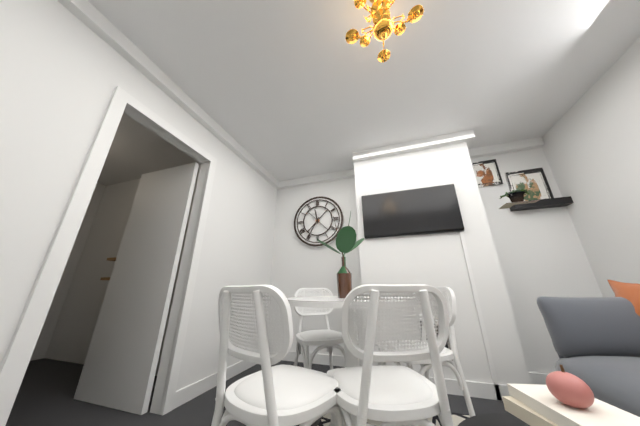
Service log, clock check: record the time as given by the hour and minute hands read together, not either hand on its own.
11:35
